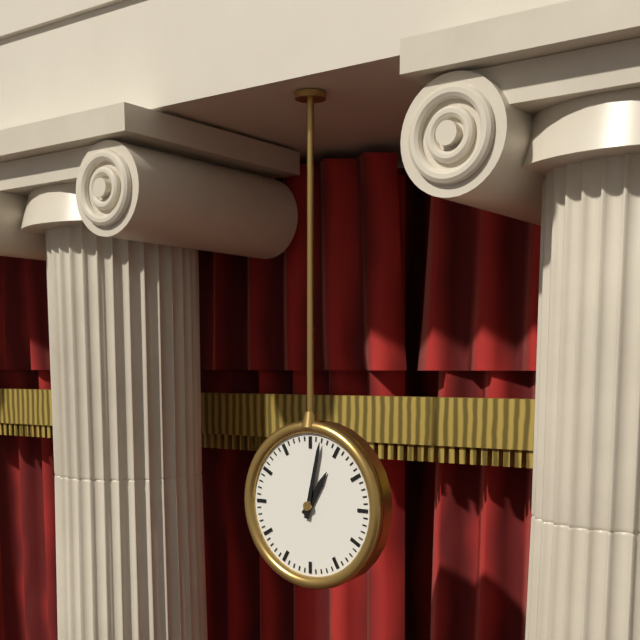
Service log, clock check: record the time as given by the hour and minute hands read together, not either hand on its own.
1:02
